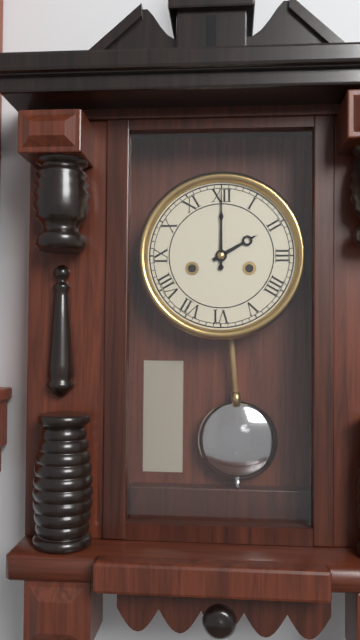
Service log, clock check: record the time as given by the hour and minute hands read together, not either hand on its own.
2:00
